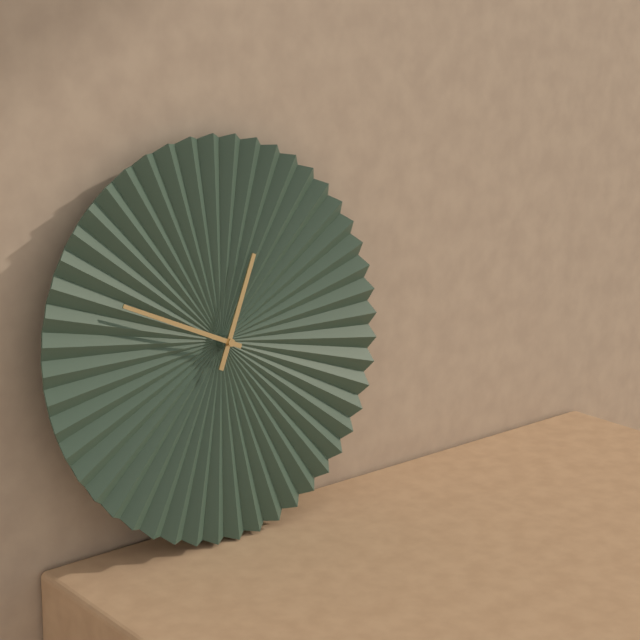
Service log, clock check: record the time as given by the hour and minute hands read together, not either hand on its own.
12:49
